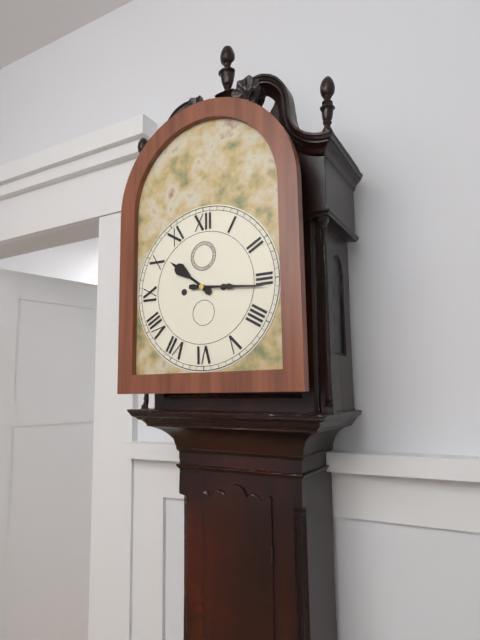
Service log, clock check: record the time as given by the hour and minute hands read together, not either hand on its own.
10:16
